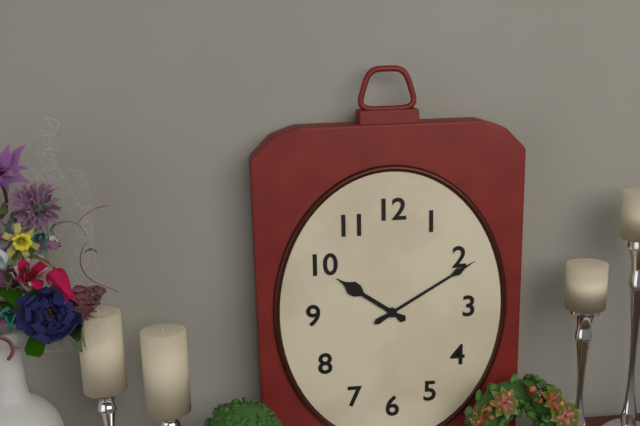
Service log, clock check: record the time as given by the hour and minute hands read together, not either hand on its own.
10:10
